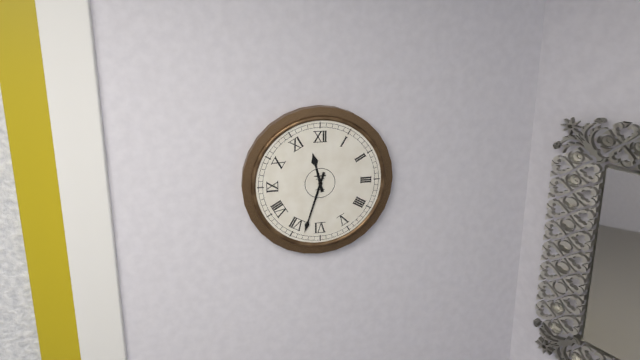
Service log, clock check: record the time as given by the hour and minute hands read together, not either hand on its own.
11:33
